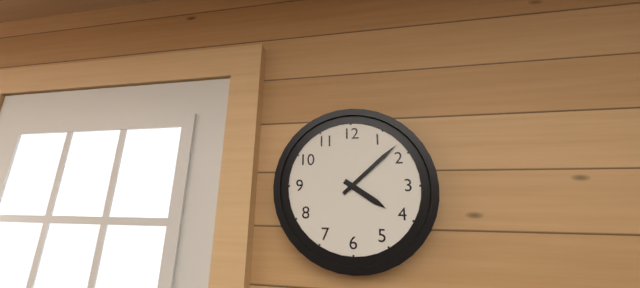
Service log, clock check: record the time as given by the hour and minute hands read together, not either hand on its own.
4:08
